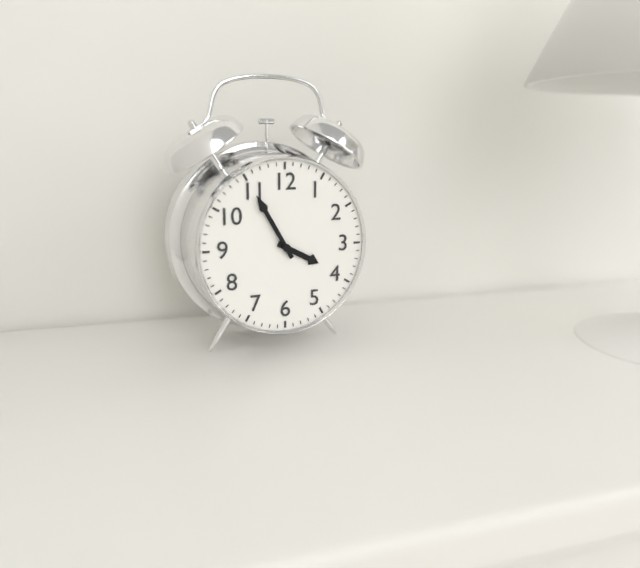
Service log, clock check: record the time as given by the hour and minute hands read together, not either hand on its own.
3:55
